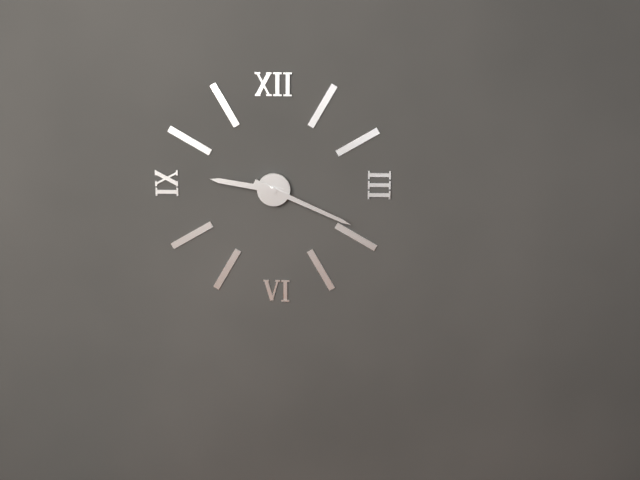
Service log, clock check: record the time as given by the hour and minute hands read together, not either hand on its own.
9:19
